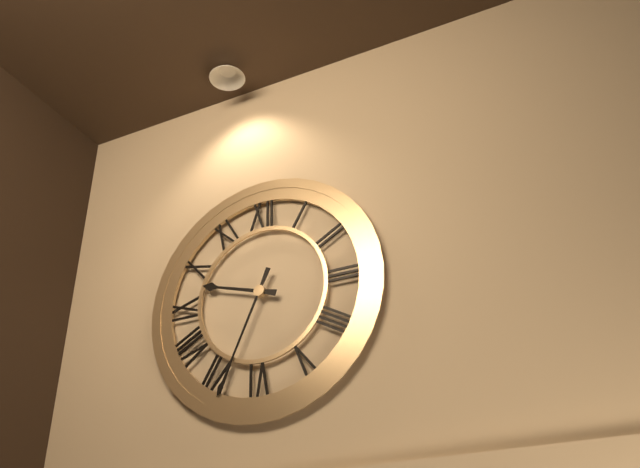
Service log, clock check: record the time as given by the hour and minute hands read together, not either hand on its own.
9:34
